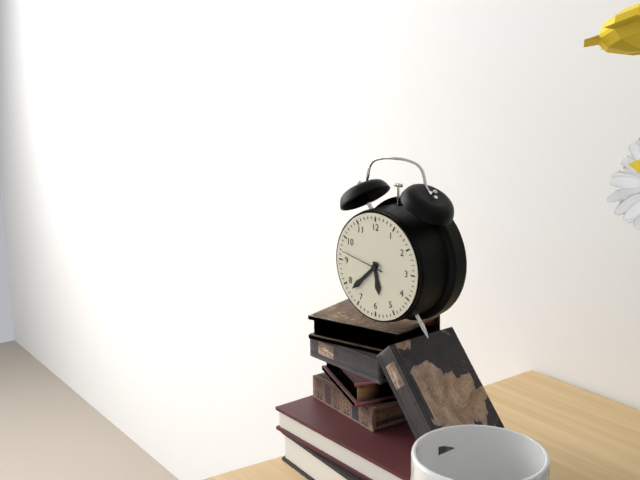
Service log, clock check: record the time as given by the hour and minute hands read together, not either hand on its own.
5:38
